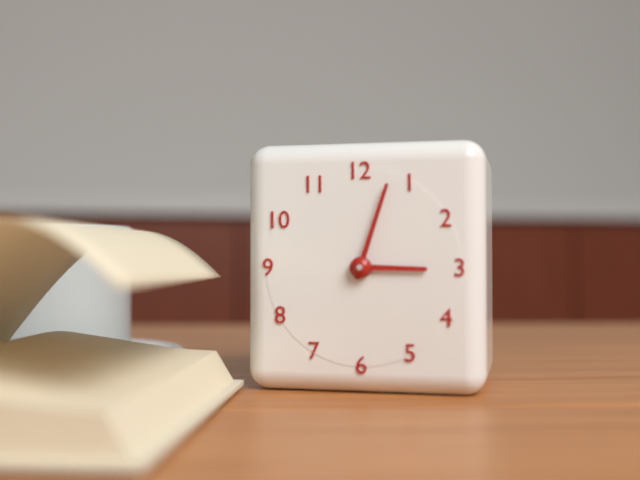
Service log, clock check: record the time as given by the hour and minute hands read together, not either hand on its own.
3:03
